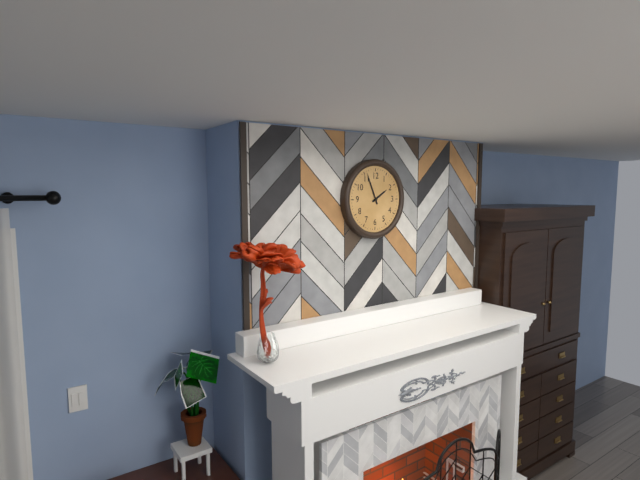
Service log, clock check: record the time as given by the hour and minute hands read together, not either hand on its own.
1:56
